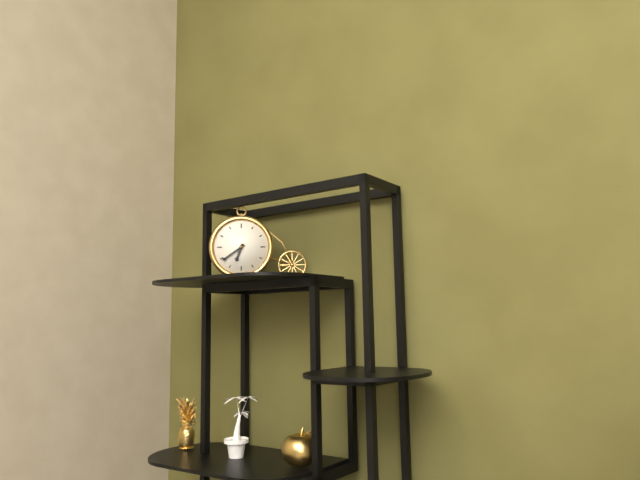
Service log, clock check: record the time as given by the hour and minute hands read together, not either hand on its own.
6:39
